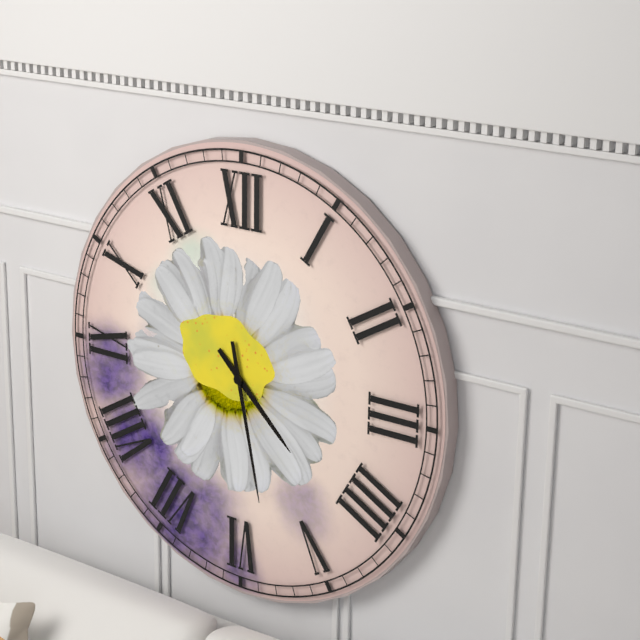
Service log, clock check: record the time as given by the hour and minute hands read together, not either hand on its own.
4:28
